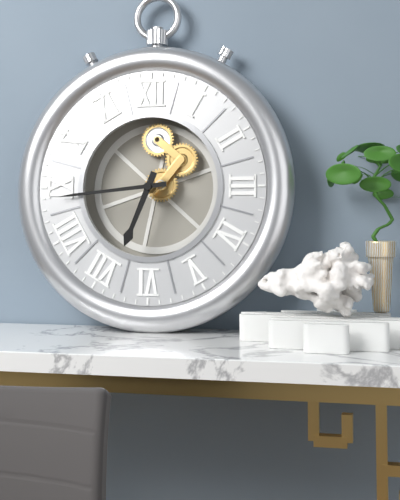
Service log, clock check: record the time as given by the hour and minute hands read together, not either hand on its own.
6:44
